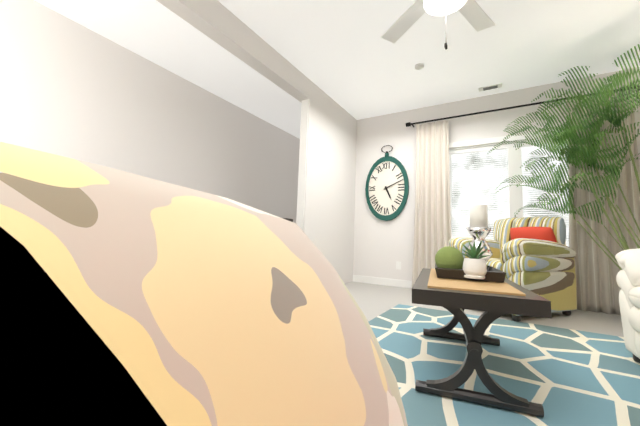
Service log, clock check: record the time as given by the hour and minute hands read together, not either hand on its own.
5:11
